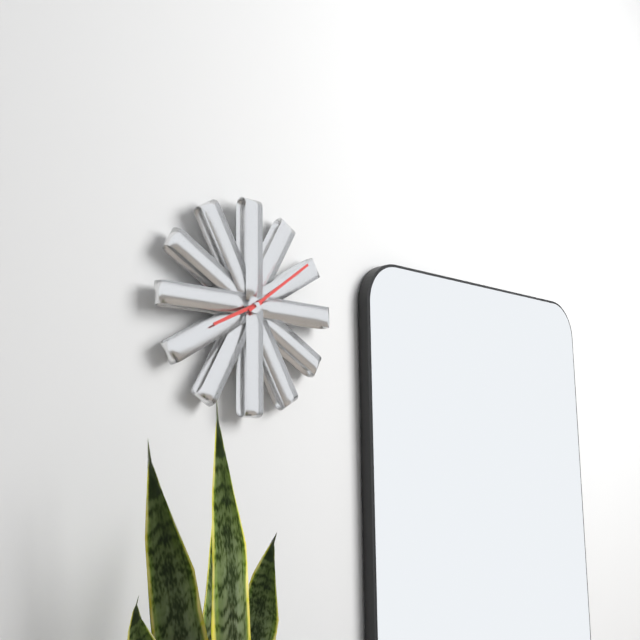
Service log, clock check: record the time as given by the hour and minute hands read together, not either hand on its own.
8:09
